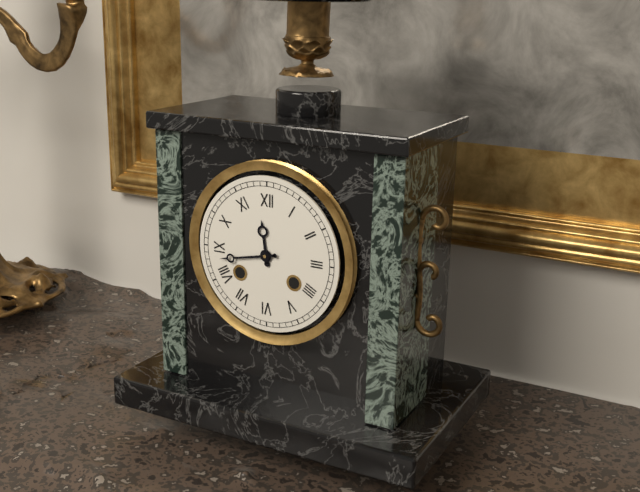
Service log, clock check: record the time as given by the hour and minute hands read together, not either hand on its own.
11:43
